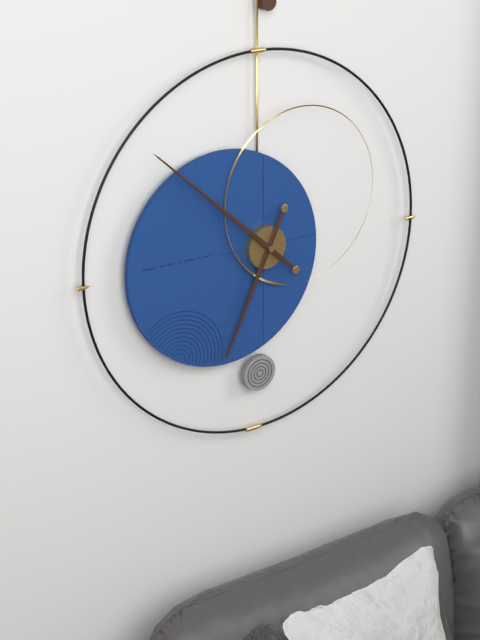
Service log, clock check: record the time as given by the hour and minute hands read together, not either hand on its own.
6:52
